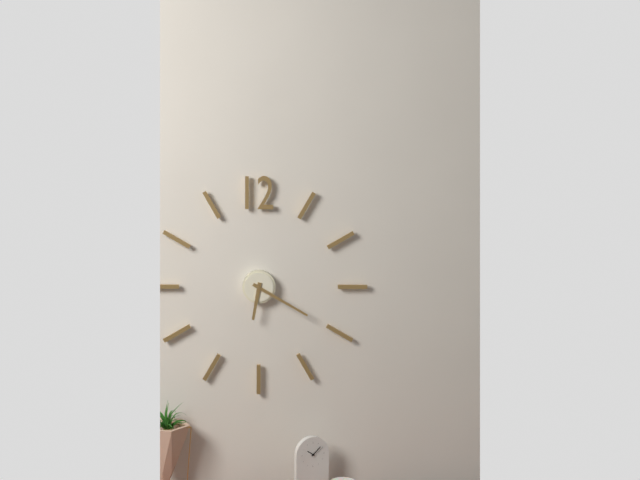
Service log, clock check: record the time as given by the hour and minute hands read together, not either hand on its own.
6:20
